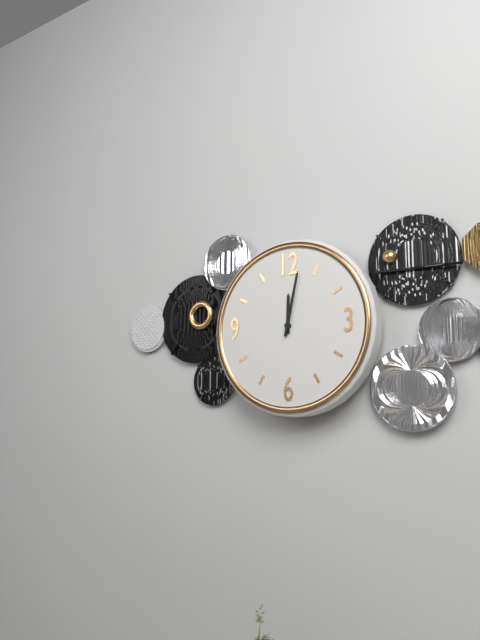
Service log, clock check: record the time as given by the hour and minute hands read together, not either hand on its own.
12:02
